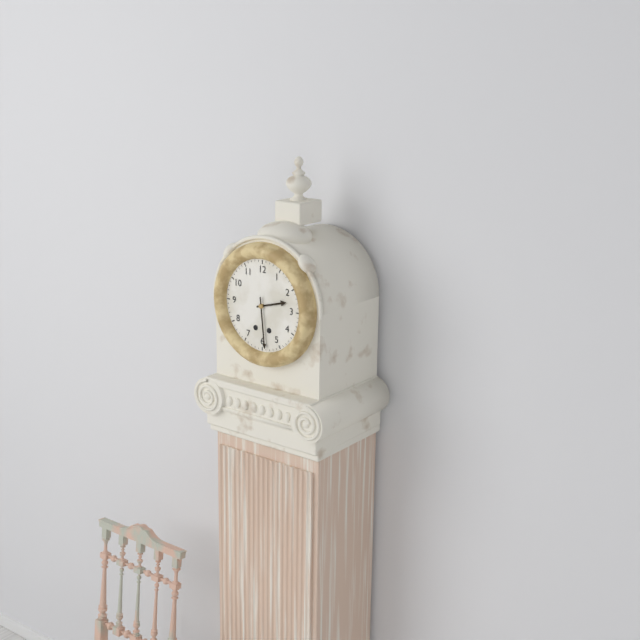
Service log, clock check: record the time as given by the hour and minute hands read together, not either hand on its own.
2:29
